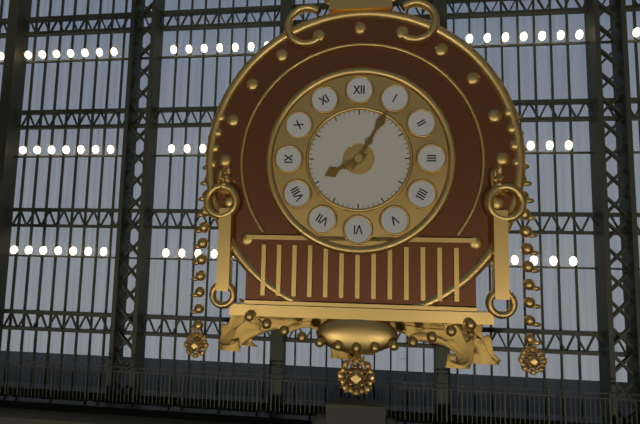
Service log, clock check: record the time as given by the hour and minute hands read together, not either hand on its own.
8:05
